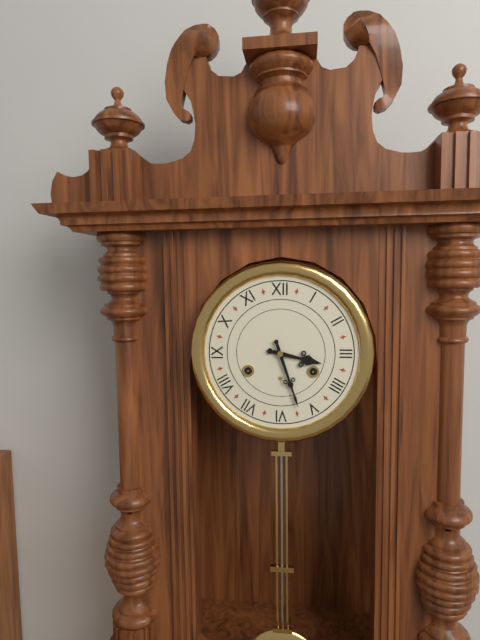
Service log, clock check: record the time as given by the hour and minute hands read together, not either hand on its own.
3:27
